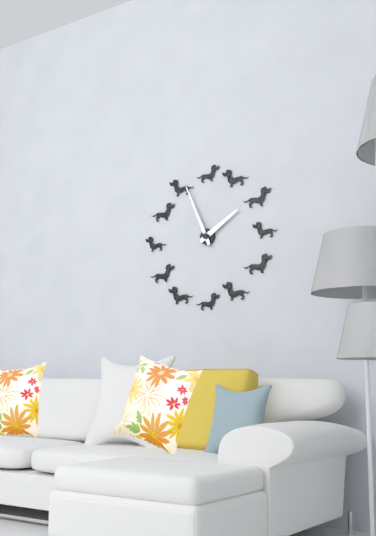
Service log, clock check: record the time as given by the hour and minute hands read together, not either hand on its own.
1:56
